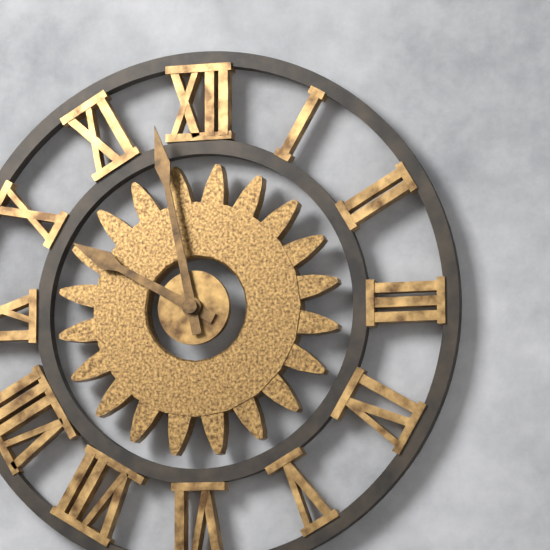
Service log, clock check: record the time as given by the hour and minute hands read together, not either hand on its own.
9:58
